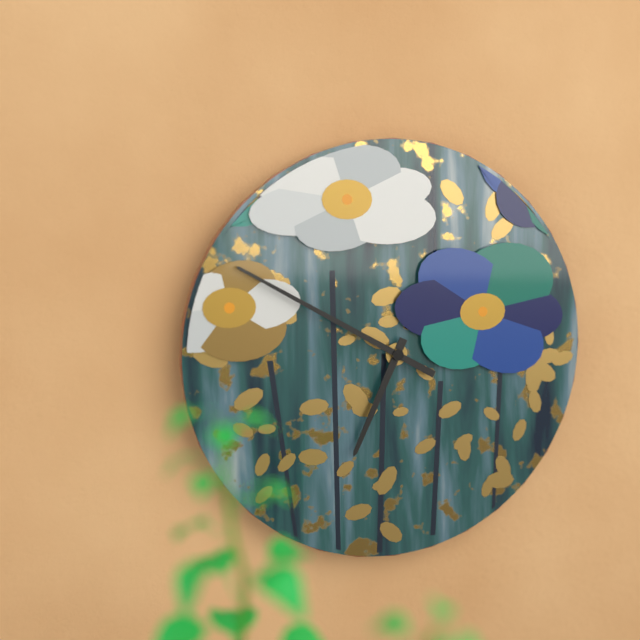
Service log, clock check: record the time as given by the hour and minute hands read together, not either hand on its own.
6:50
